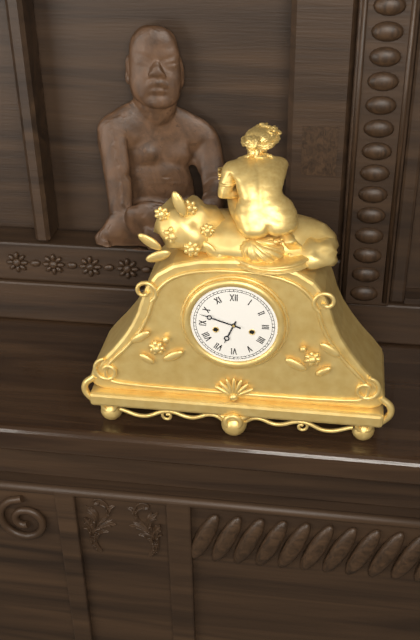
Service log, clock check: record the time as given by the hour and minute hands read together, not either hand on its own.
6:48
